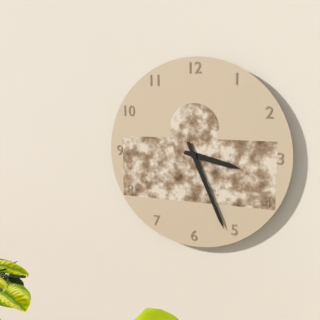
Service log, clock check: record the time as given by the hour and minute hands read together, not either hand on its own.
3:26
